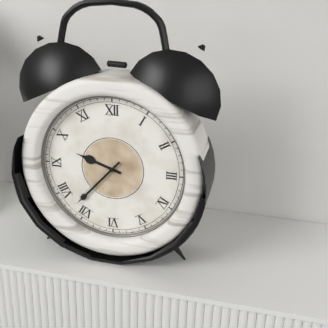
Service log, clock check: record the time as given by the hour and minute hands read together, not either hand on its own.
9:37
